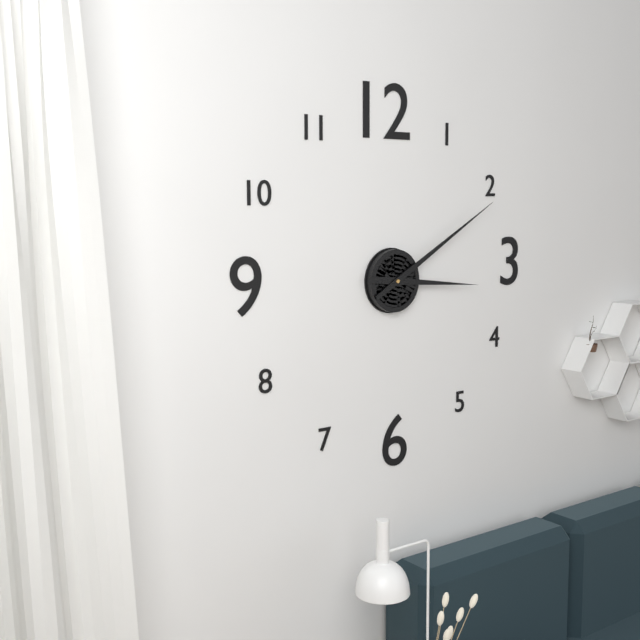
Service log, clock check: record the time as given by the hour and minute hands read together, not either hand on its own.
3:10
